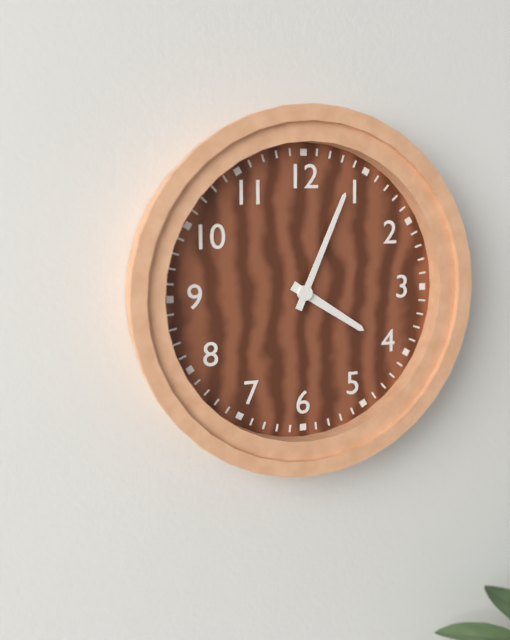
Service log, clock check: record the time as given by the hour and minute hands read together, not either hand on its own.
4:04
